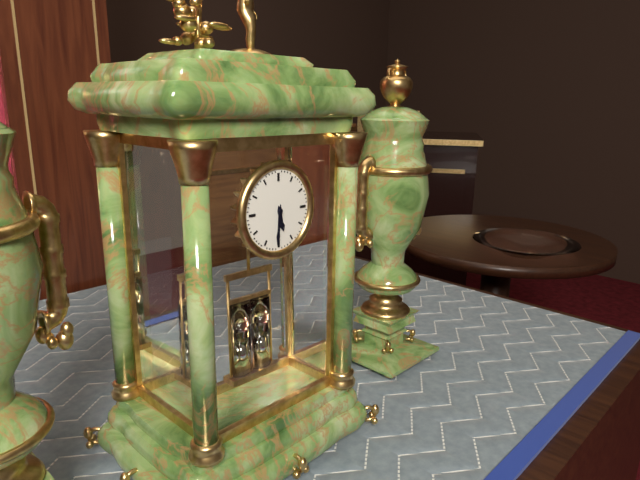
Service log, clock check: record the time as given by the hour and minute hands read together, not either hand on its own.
5:31
